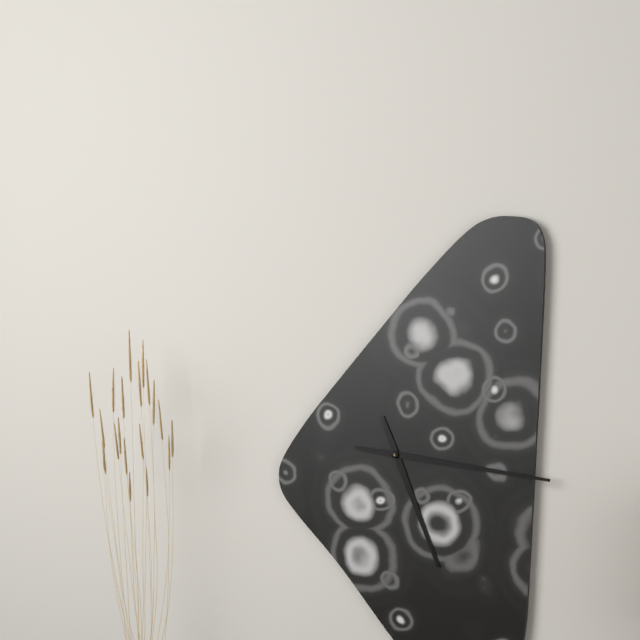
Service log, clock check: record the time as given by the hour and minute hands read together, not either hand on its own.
5:16
